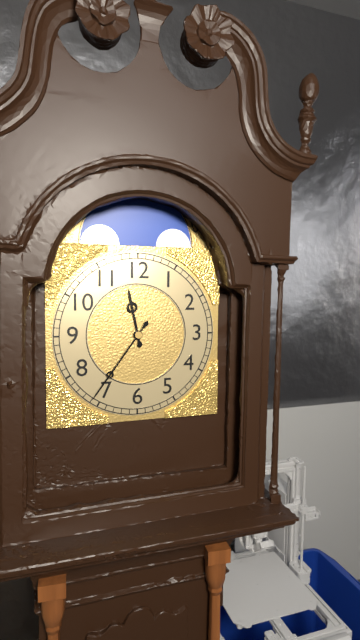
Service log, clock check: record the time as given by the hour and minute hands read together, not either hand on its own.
11:36
